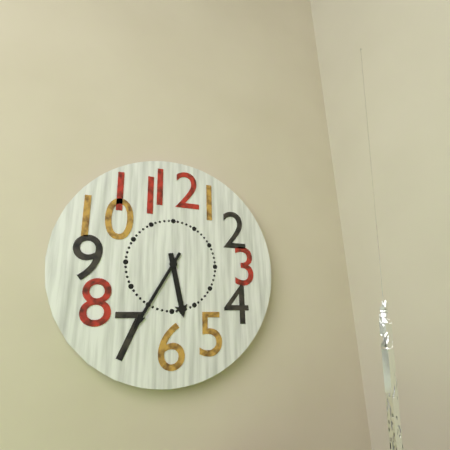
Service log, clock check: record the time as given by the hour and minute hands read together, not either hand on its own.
5:35
